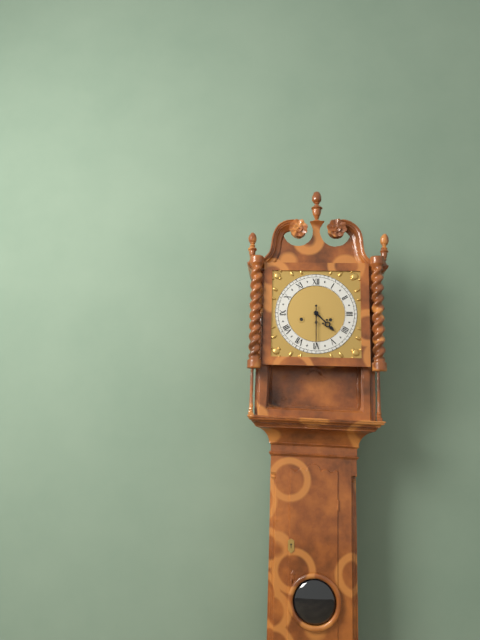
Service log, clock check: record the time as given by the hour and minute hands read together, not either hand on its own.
4:30
